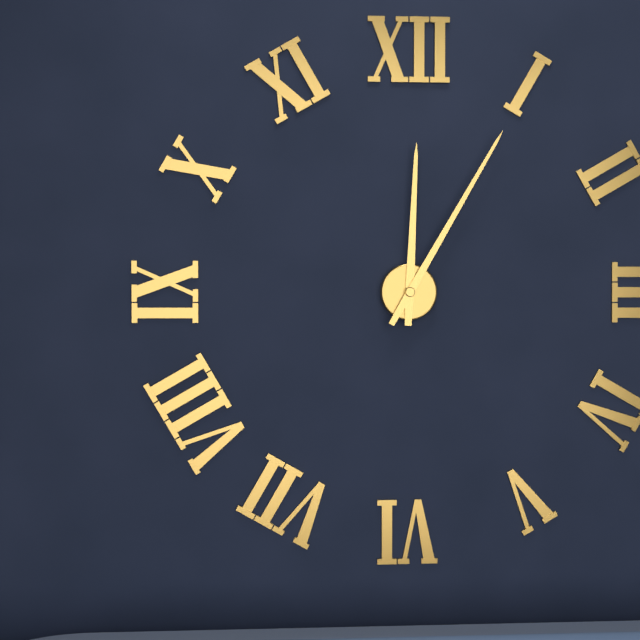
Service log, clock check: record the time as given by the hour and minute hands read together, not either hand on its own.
12:05
